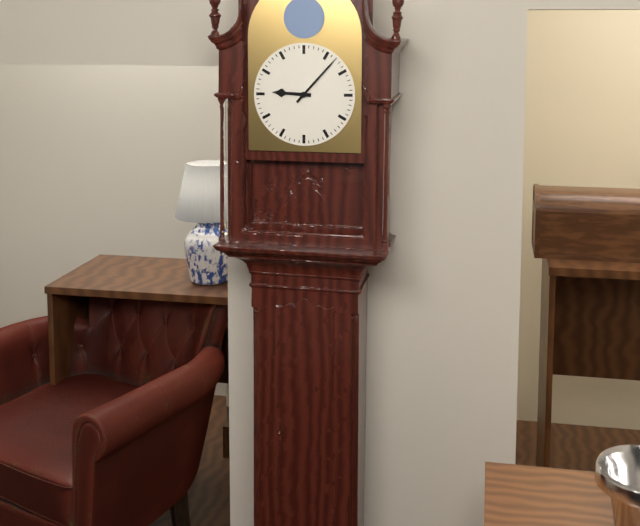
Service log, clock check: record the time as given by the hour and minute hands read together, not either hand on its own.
9:07
